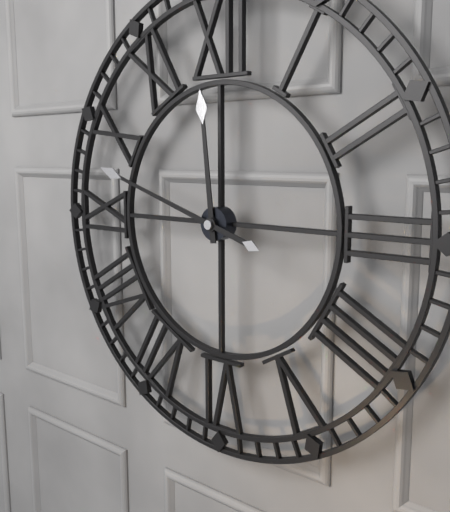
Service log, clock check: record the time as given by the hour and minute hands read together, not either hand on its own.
11:48
